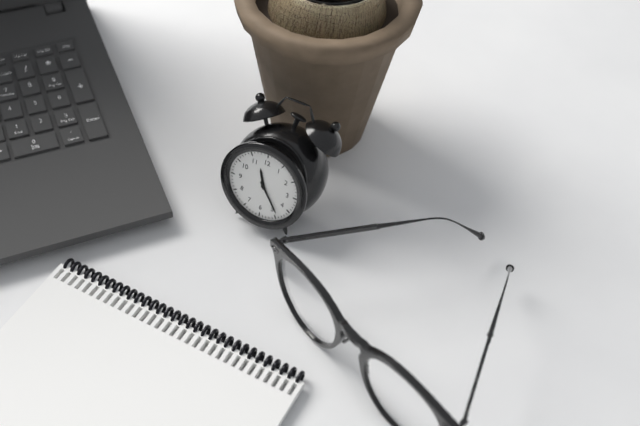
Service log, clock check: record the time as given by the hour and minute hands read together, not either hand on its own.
11:24
